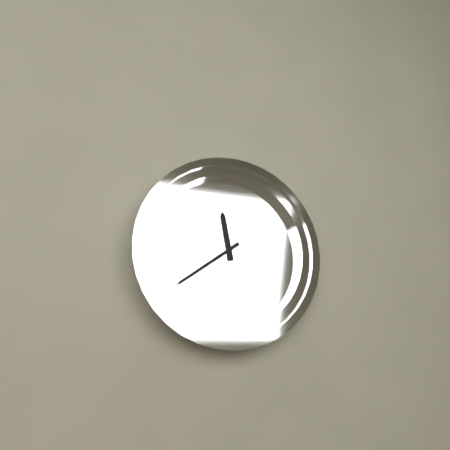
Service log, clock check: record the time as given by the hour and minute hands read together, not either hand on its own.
11:39
